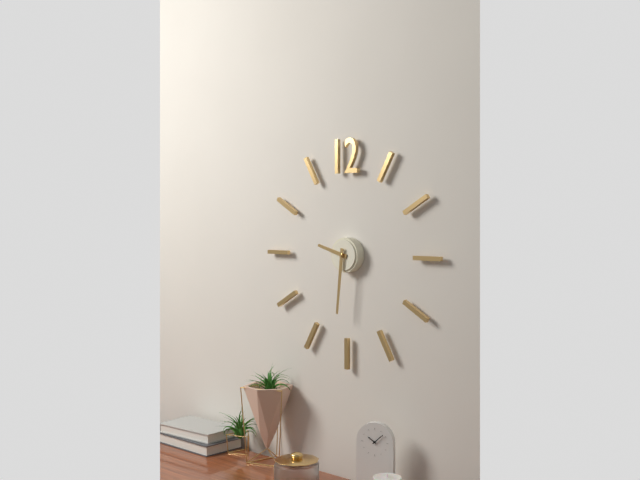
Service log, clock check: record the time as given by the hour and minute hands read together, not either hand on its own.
9:31
